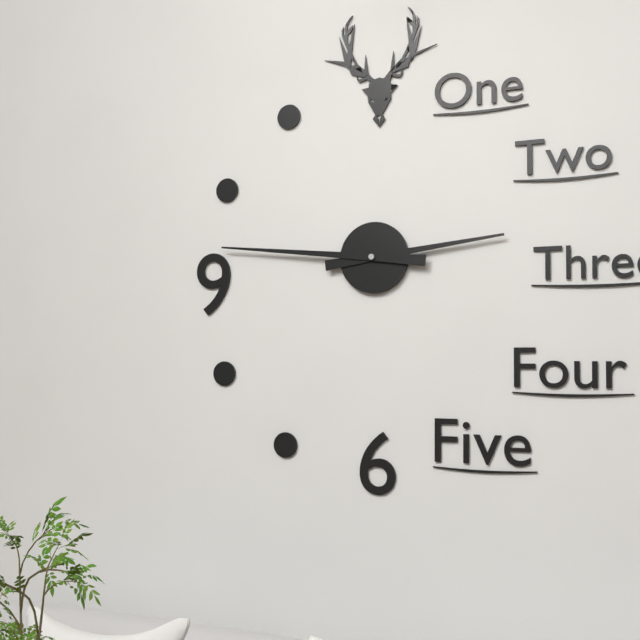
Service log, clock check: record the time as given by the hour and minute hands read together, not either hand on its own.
2:46
